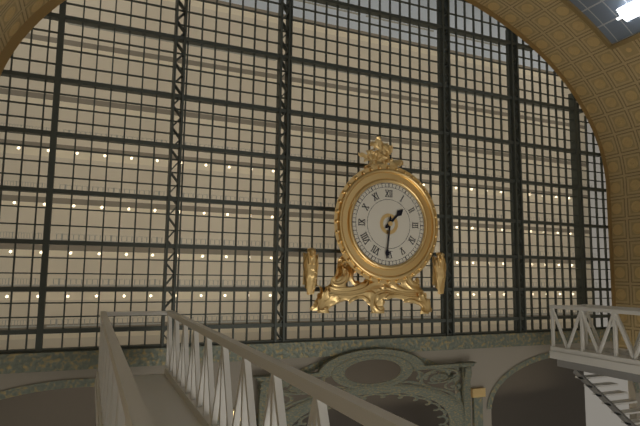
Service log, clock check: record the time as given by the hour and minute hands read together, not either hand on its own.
1:31
